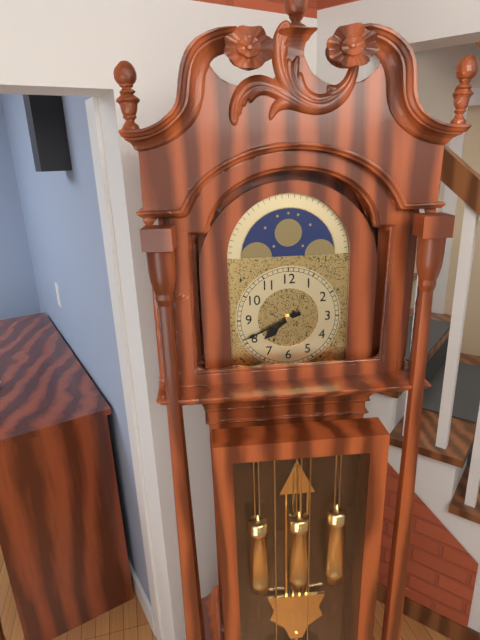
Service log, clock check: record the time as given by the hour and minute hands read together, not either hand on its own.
7:41
